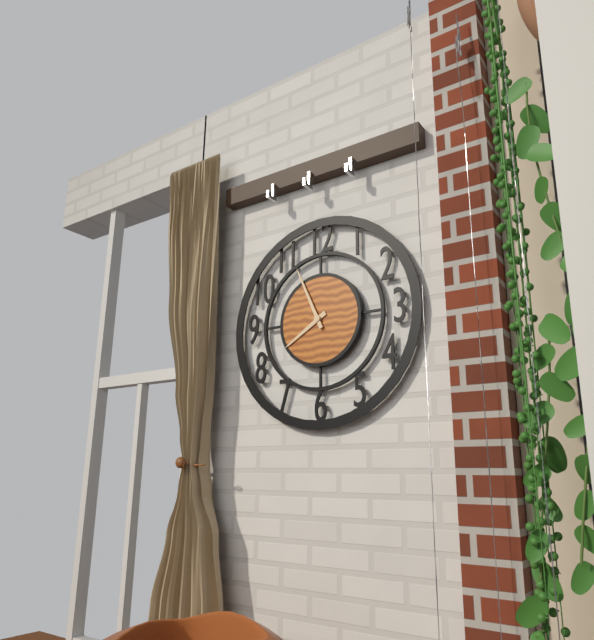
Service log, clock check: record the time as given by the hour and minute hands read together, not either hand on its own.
7:56
